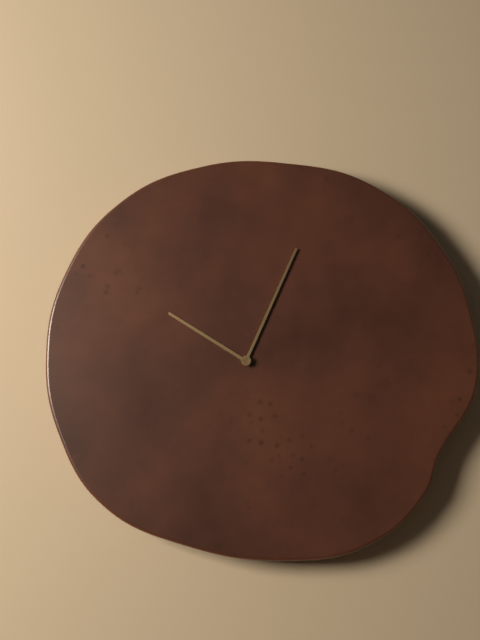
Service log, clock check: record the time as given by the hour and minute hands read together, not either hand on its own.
10:04
